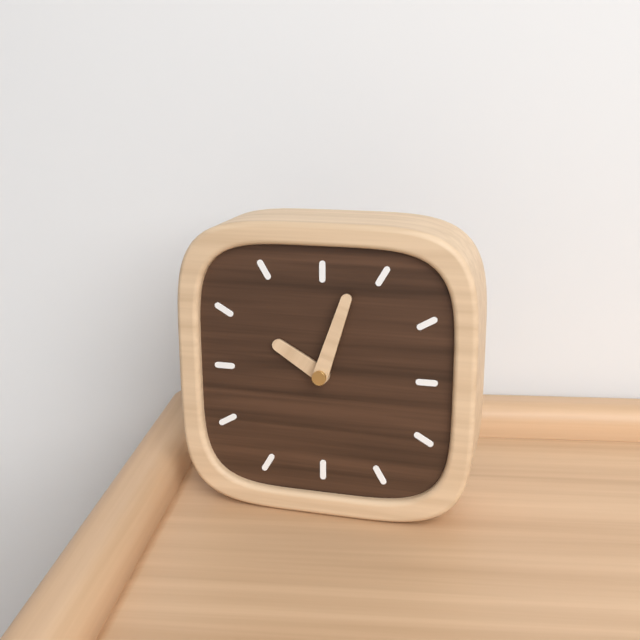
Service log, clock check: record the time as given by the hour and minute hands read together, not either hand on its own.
10:03
